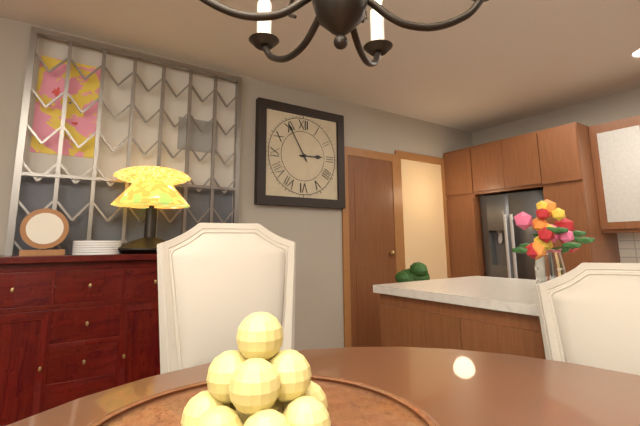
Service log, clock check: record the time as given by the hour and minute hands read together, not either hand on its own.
2:55
